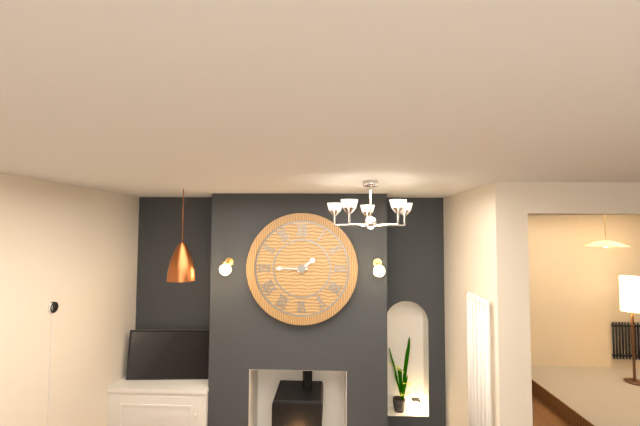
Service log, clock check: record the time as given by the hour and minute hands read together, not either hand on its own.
1:45
